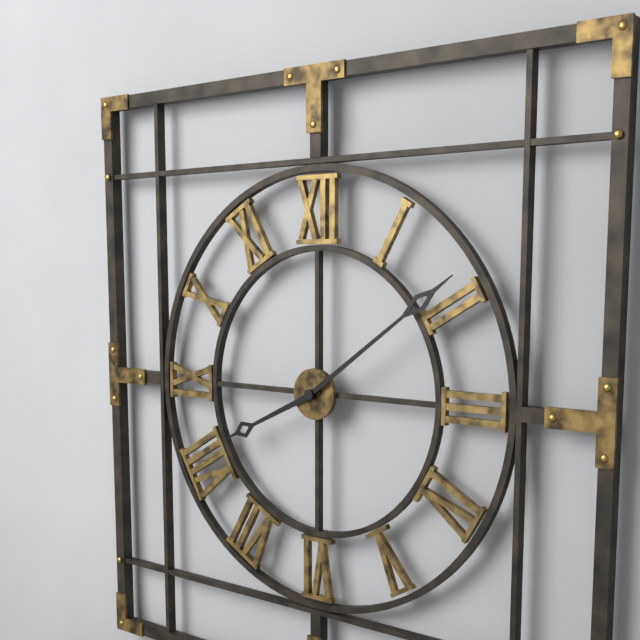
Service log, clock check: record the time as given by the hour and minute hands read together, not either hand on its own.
8:09
